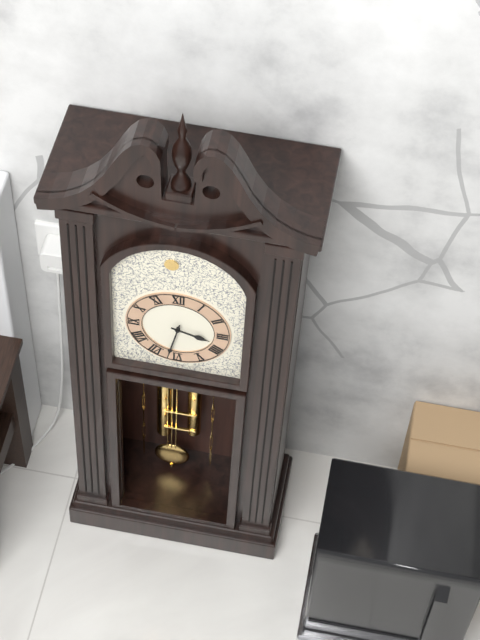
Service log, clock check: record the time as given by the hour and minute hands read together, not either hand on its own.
3:32
